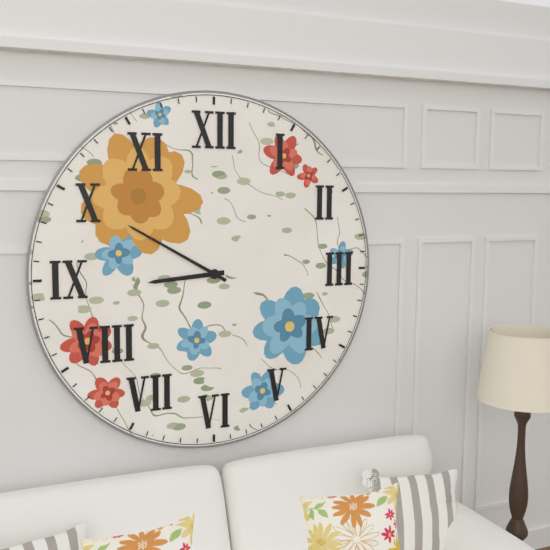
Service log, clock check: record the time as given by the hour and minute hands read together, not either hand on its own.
8:50
